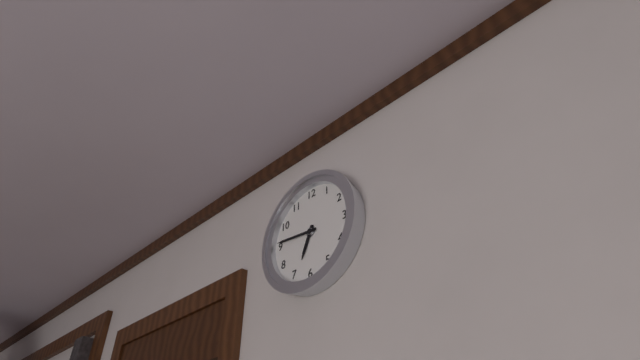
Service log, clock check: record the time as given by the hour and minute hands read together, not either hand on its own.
6:46
